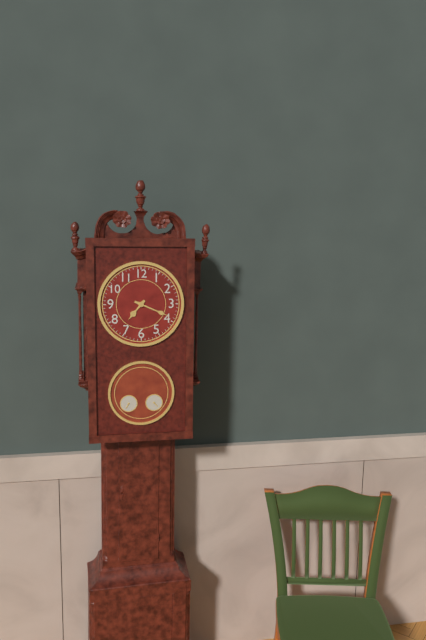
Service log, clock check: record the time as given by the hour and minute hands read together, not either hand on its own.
7:19
